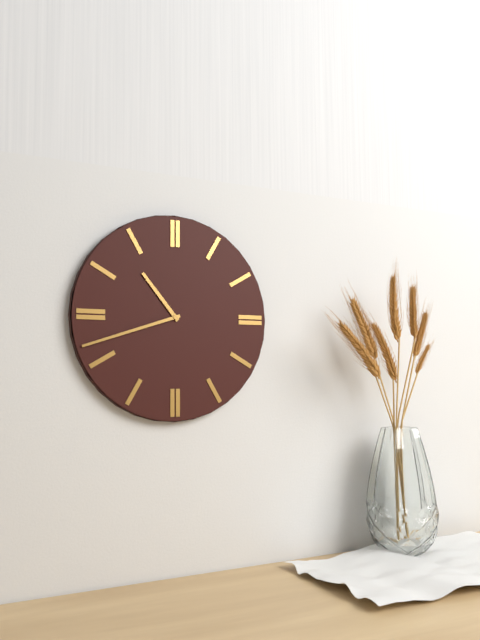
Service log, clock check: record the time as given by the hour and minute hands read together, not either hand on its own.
10:42
